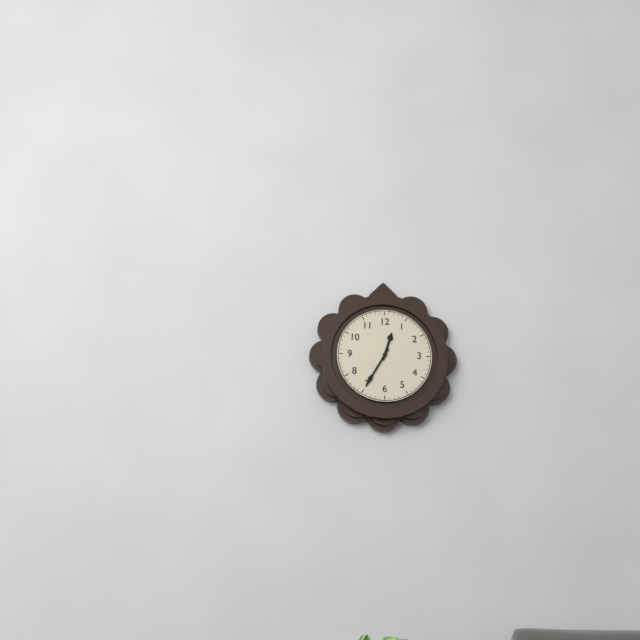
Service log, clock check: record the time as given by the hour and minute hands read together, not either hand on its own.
12:35
